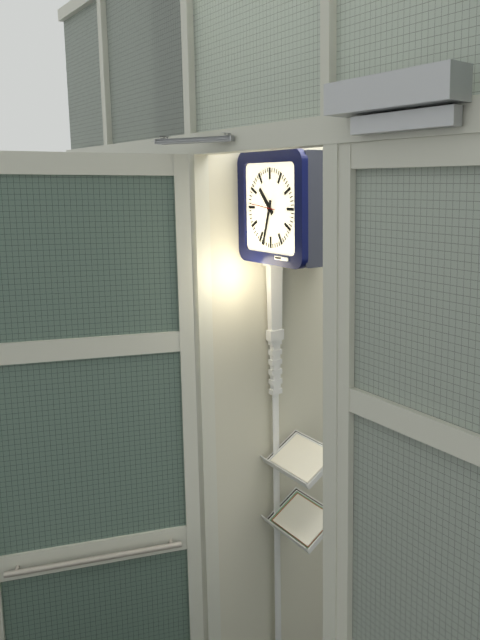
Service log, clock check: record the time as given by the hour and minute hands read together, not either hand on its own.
10:33
